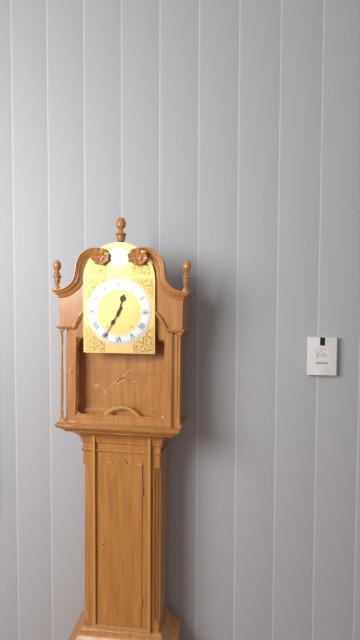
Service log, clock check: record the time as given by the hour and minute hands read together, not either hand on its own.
12:35
